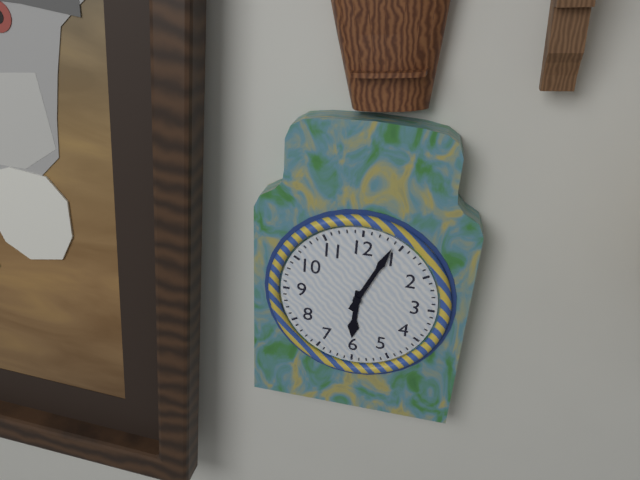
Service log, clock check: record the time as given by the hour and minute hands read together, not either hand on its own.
6:04
